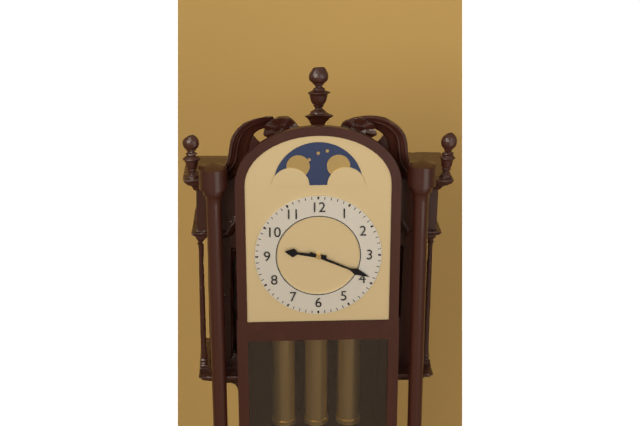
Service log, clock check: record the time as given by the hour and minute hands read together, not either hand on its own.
9:19
